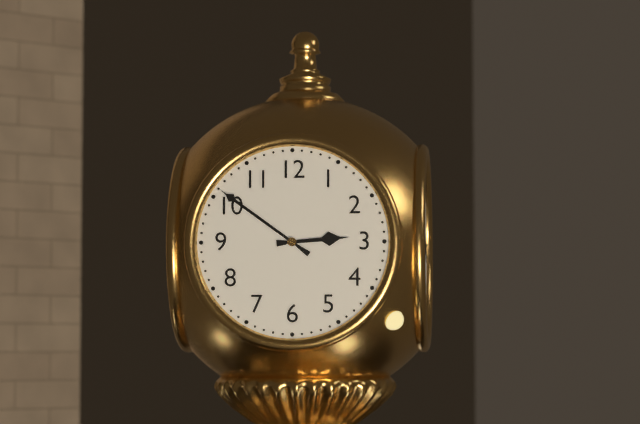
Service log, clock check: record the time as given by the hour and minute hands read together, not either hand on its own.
2:51
